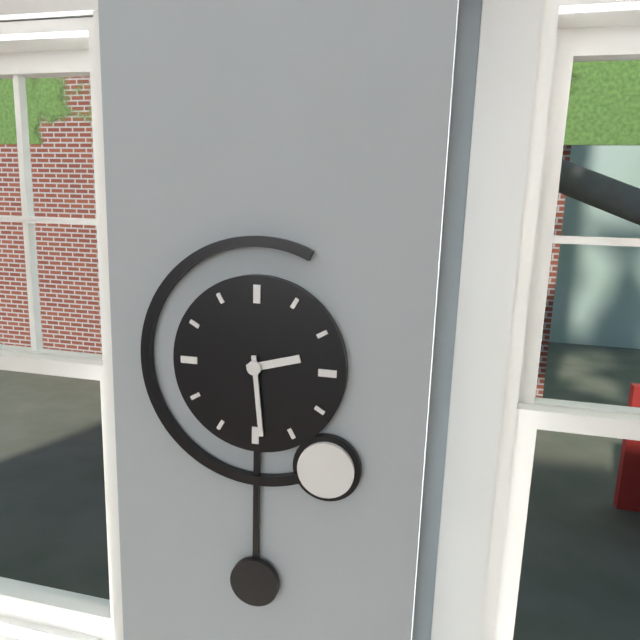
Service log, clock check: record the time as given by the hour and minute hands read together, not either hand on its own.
2:29
